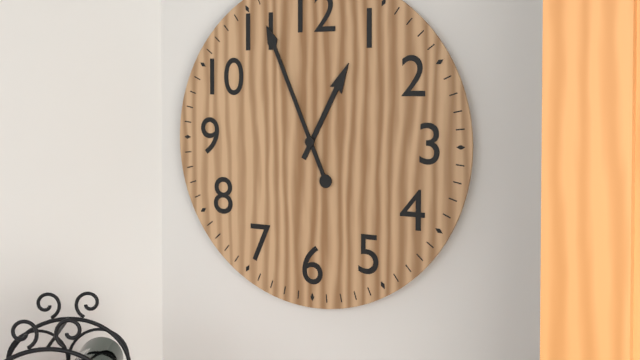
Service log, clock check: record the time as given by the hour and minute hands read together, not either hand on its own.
12:56
